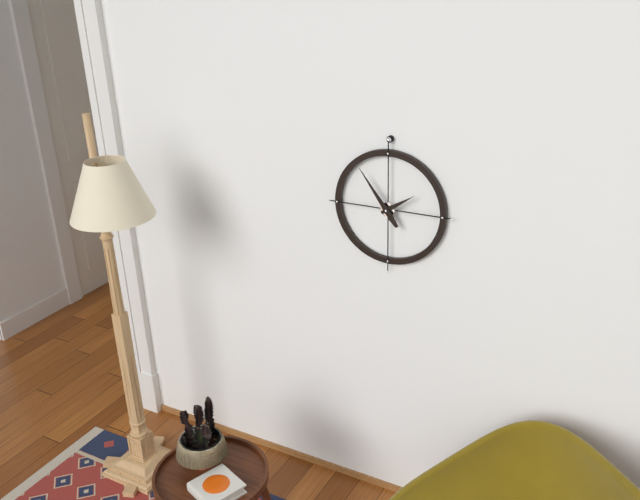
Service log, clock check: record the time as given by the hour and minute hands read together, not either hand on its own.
1:54
